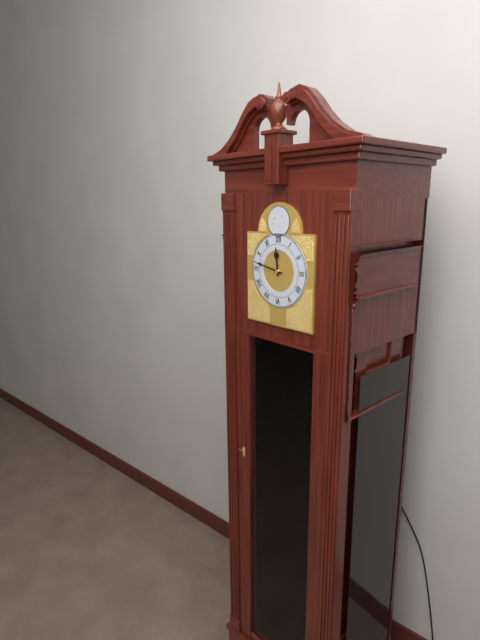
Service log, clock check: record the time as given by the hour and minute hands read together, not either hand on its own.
11:47
